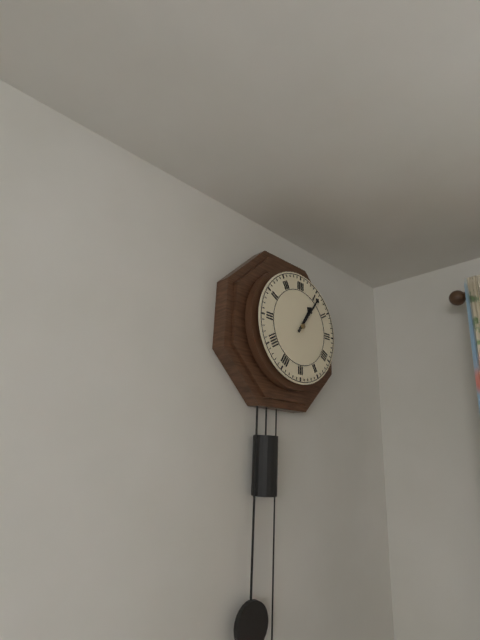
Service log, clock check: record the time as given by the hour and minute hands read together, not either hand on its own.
1:06
